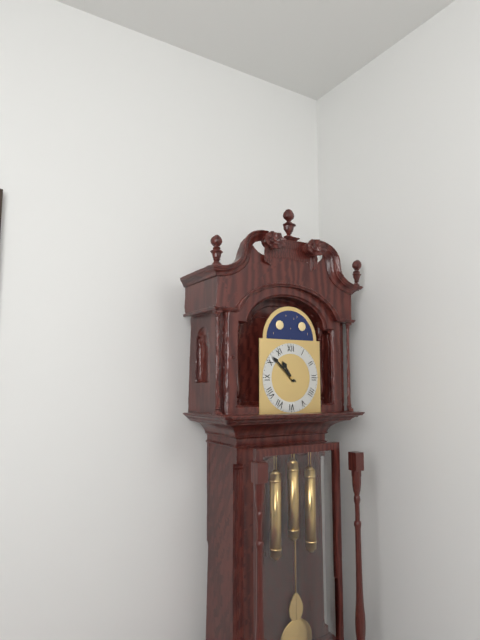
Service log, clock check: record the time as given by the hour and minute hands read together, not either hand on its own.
10:52
